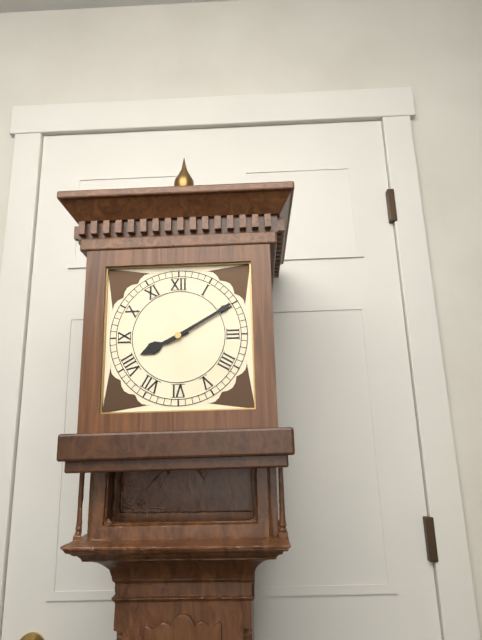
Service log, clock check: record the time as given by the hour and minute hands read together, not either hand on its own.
8:10
